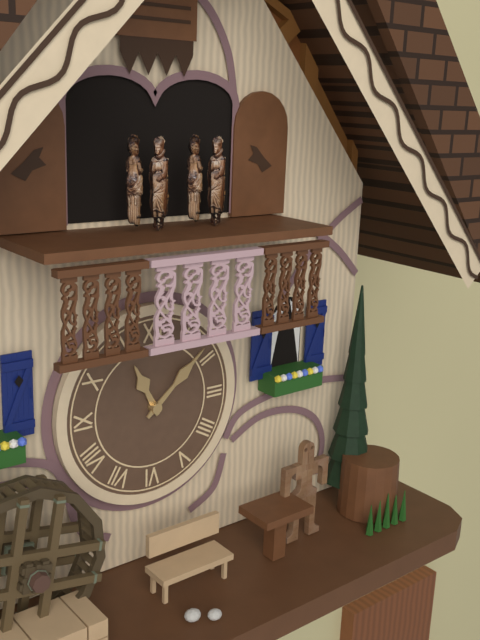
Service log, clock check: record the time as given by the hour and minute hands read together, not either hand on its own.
11:08
